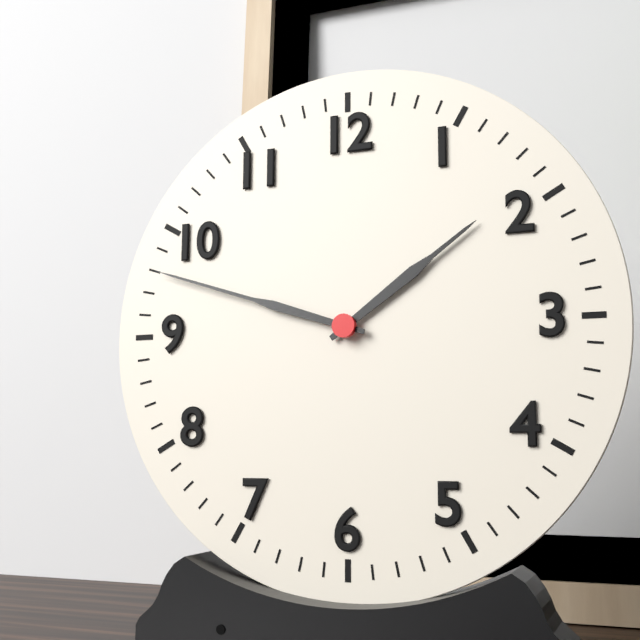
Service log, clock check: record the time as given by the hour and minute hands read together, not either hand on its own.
1:48
